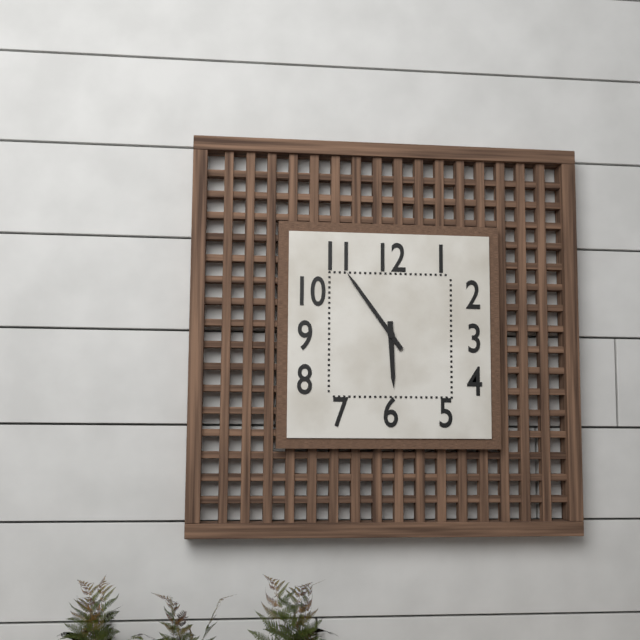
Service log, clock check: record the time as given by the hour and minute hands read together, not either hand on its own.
5:54
